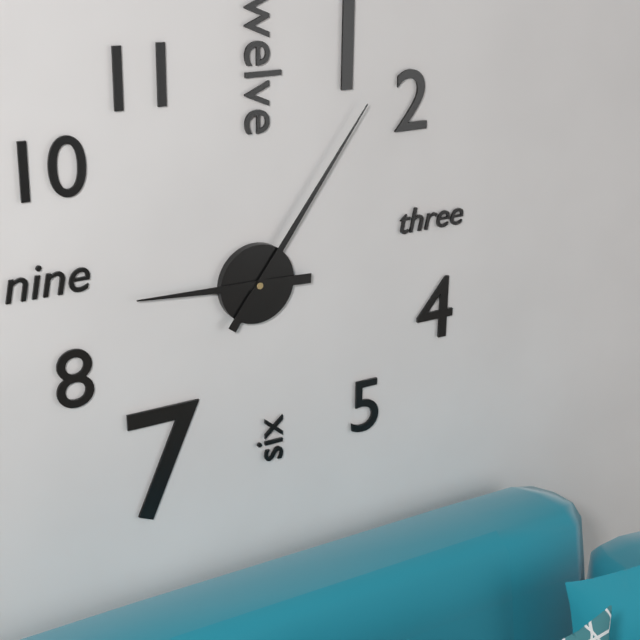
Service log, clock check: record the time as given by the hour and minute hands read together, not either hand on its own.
9:06
